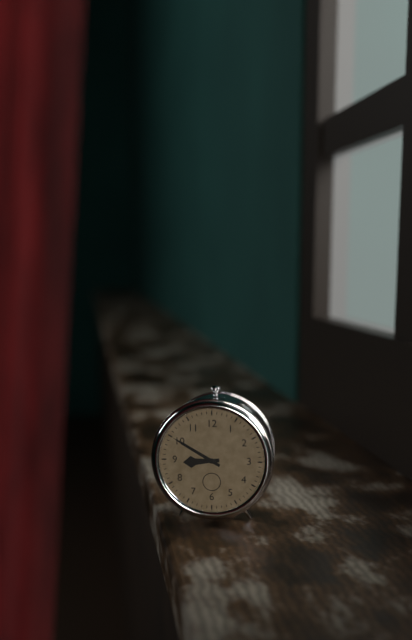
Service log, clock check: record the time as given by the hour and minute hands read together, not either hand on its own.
8:50
